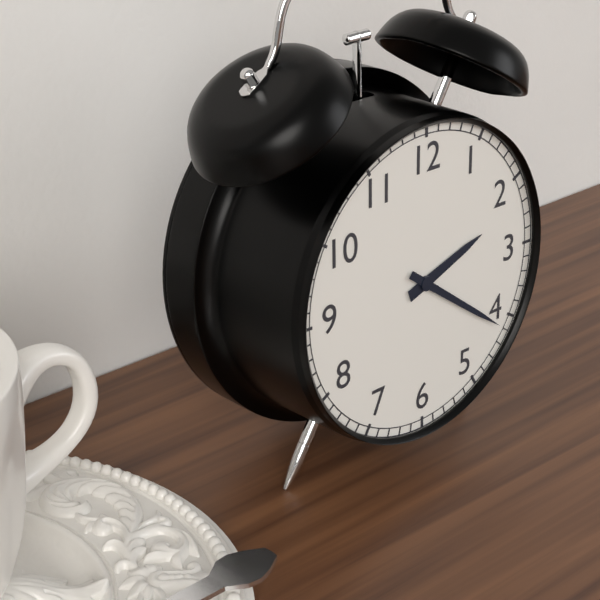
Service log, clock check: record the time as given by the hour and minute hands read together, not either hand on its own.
2:21
